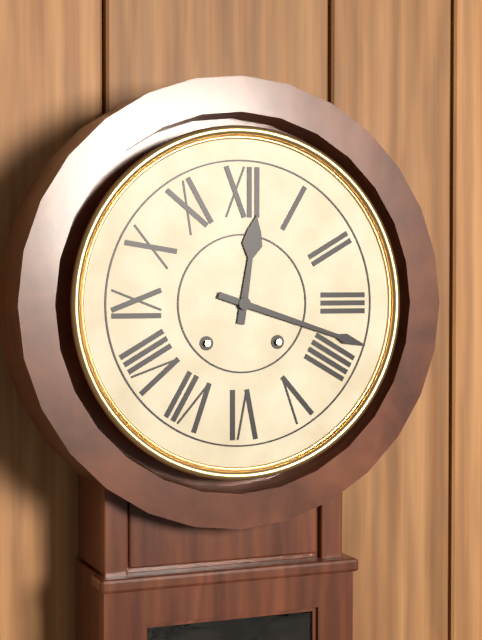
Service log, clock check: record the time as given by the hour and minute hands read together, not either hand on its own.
12:18
